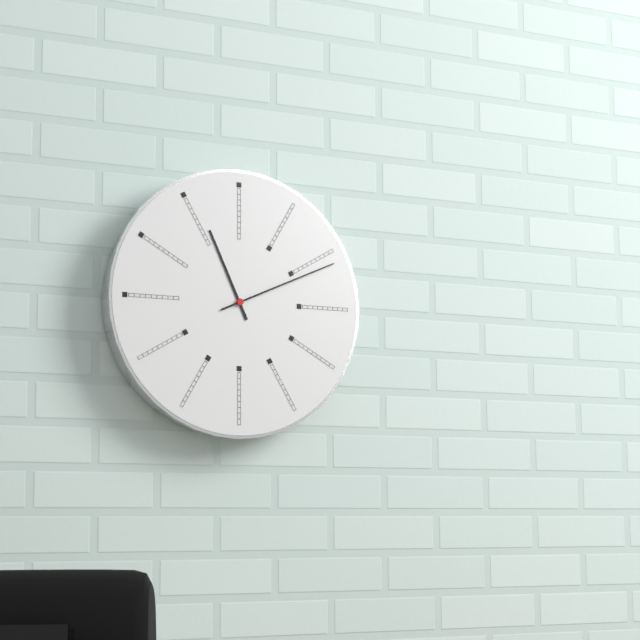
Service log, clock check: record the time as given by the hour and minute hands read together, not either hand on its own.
11:11
